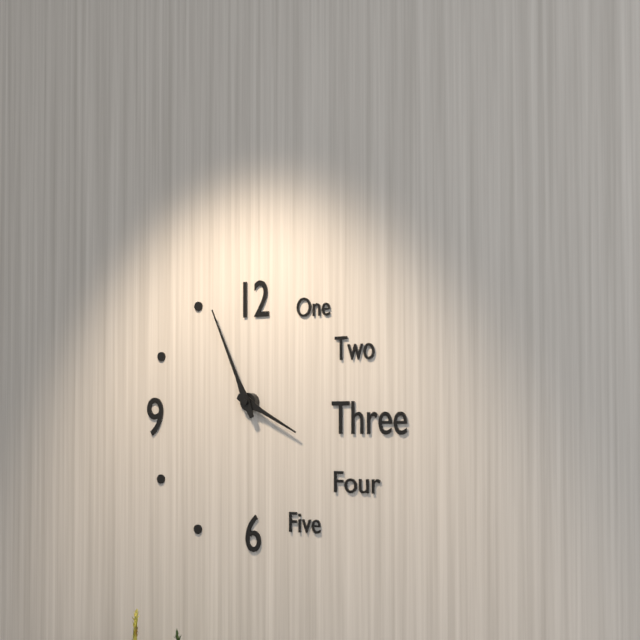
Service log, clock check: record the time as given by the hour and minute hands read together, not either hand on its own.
3:56
